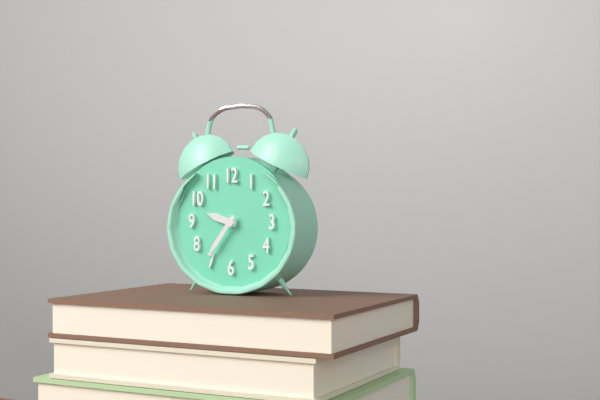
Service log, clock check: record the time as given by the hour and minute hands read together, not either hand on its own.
9:36
